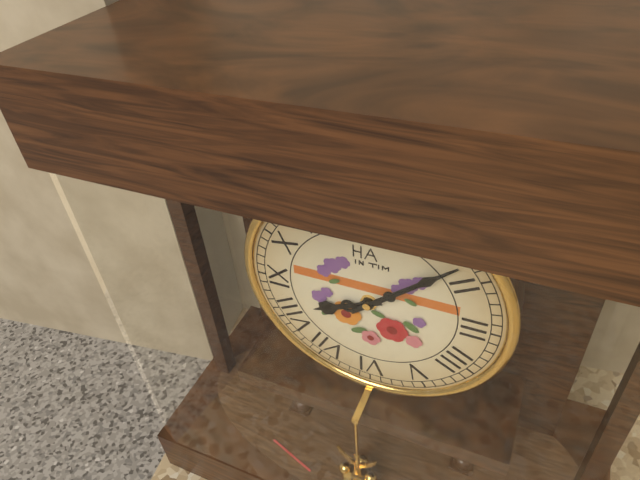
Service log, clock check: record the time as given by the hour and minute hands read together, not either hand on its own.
8:08
